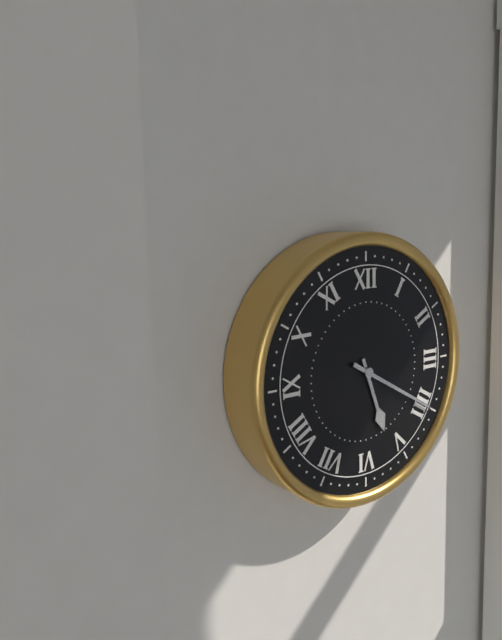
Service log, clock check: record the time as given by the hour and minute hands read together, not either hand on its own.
5:20
